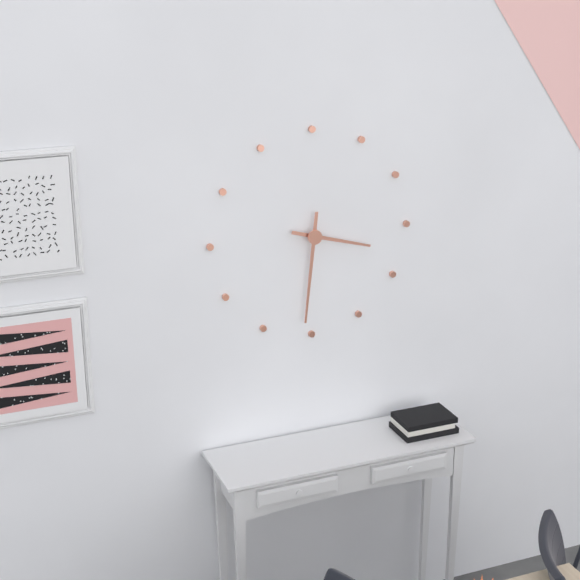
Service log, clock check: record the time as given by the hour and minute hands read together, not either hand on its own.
3:31
